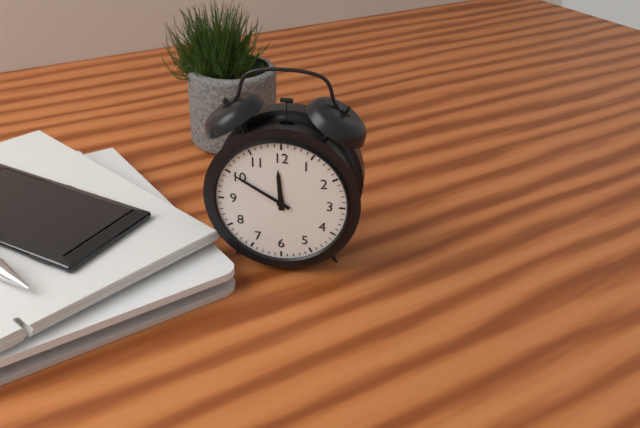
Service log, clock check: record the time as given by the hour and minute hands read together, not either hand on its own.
11:50
